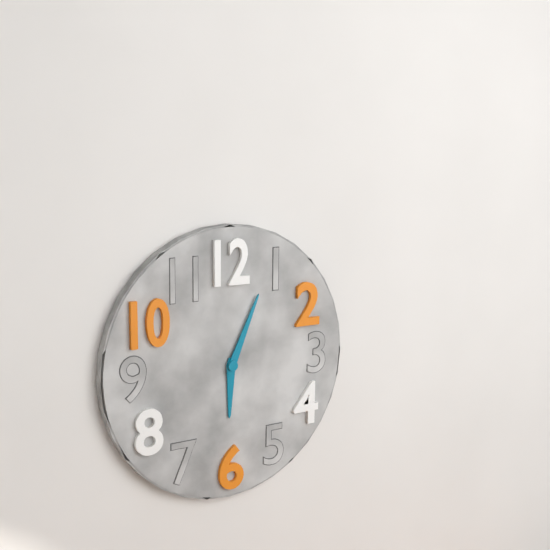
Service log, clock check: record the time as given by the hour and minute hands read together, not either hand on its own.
6:04
